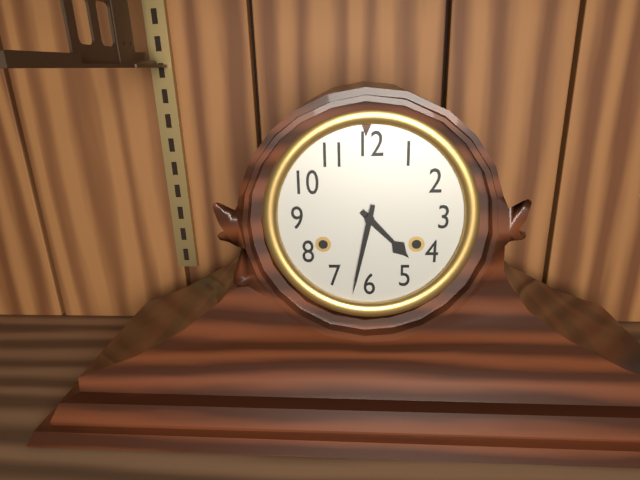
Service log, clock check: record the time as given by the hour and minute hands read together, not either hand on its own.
4:32
